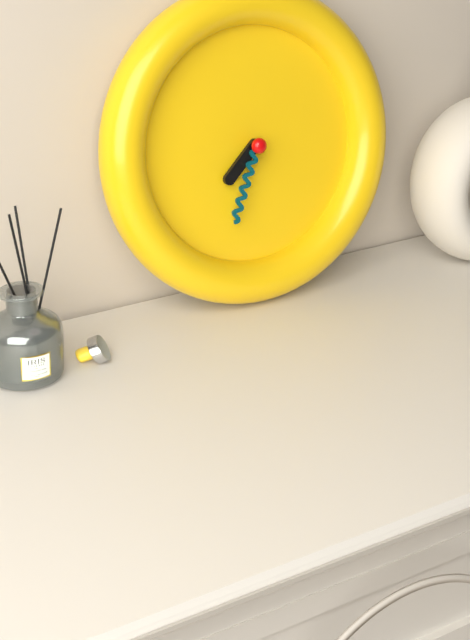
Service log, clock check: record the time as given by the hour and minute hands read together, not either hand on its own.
7:34
